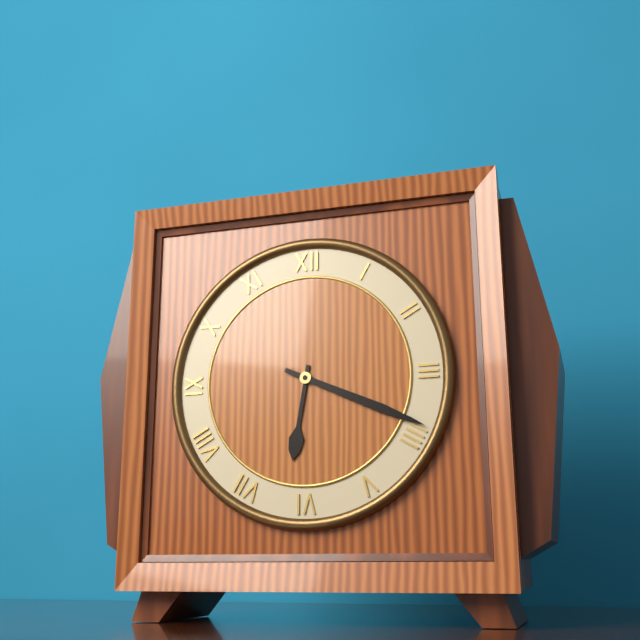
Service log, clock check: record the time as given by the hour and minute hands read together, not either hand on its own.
6:19
